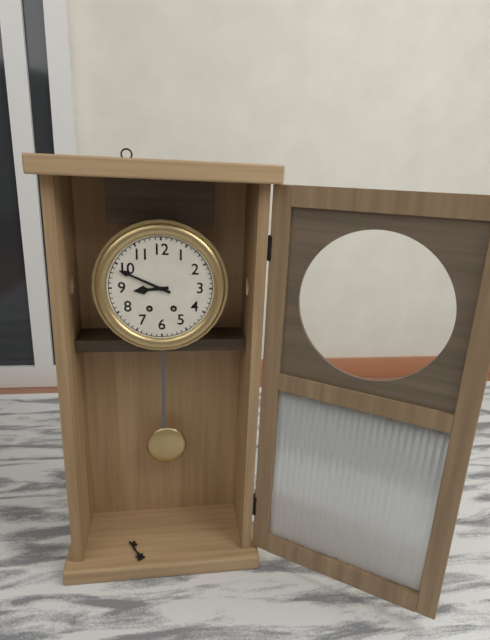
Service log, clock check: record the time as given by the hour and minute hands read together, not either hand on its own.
8:49
